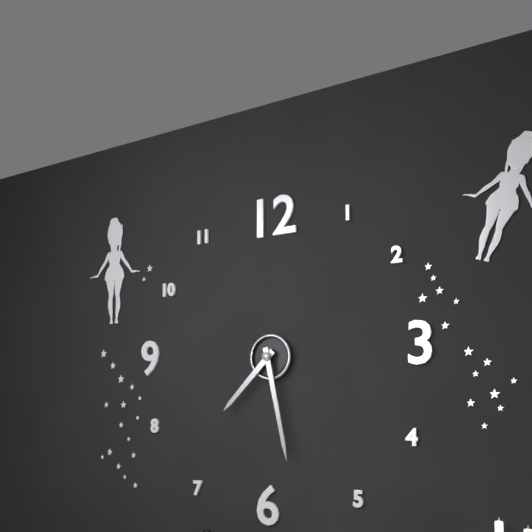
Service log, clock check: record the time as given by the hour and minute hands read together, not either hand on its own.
7:28
